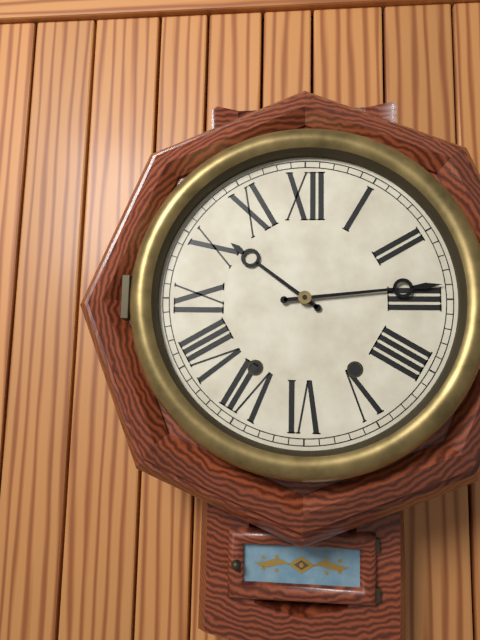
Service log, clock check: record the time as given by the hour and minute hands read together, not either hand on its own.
10:14
